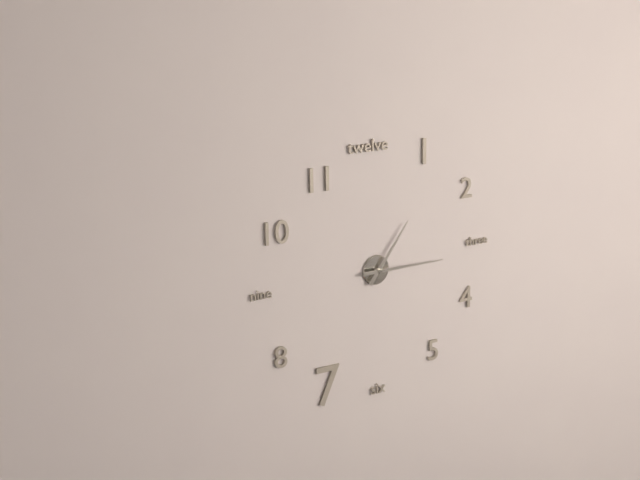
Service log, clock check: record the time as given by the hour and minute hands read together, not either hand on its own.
1:15
